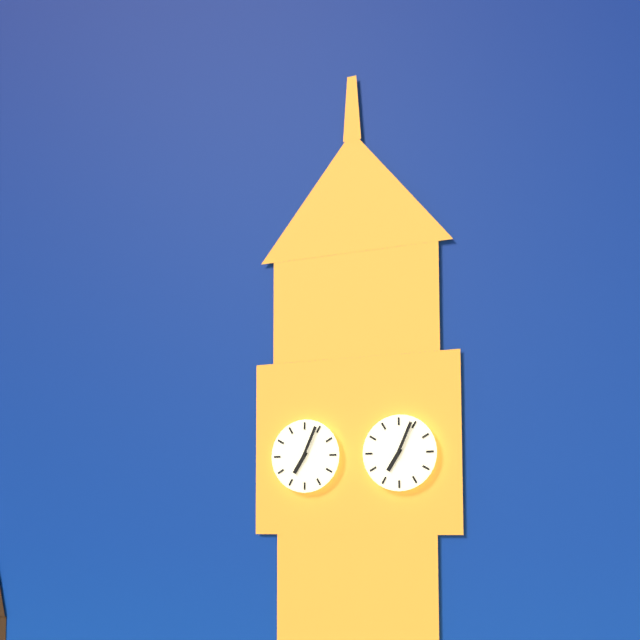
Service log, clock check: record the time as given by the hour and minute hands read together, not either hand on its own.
7:04
